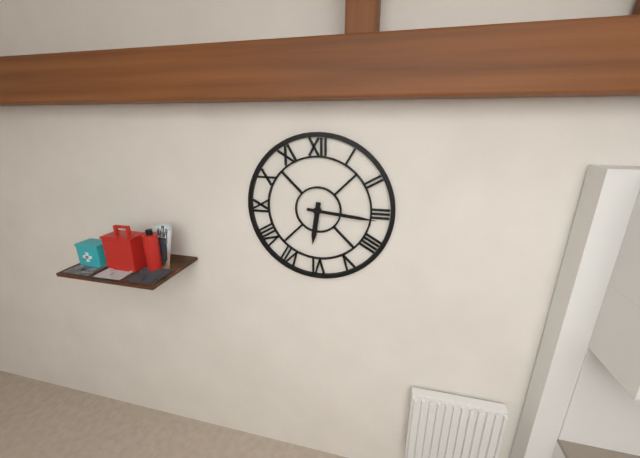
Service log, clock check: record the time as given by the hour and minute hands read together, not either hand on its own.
6:16
